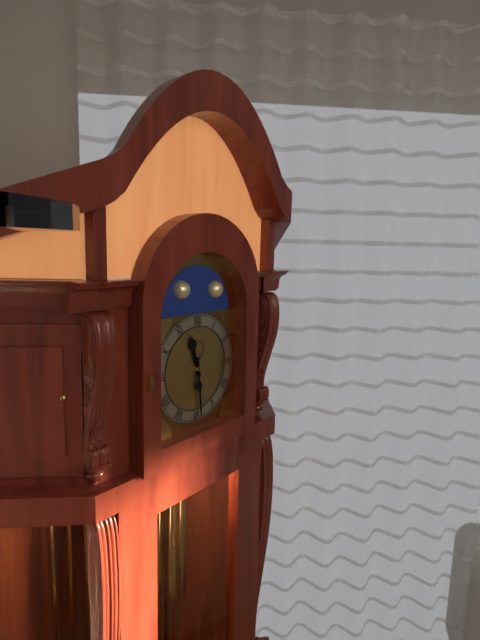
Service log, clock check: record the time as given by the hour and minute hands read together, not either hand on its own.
11:29
